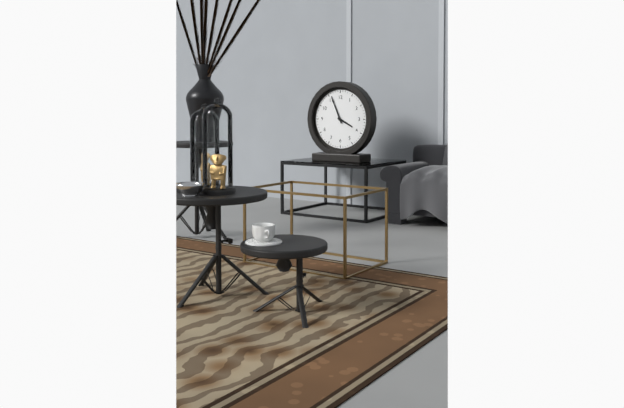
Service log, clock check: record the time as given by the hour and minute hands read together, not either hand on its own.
3:56
